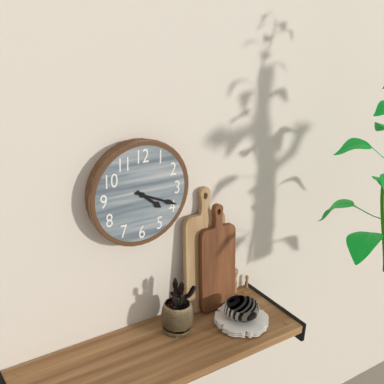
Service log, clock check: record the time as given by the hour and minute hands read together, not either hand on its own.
4:19
